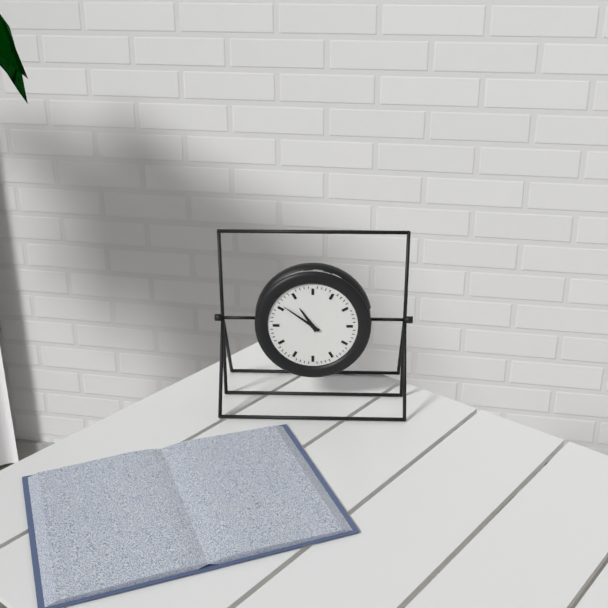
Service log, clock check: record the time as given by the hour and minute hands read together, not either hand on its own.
10:51
